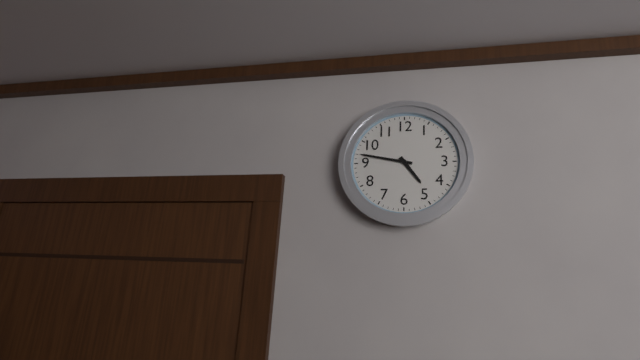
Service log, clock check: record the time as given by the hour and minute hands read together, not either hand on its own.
4:47
